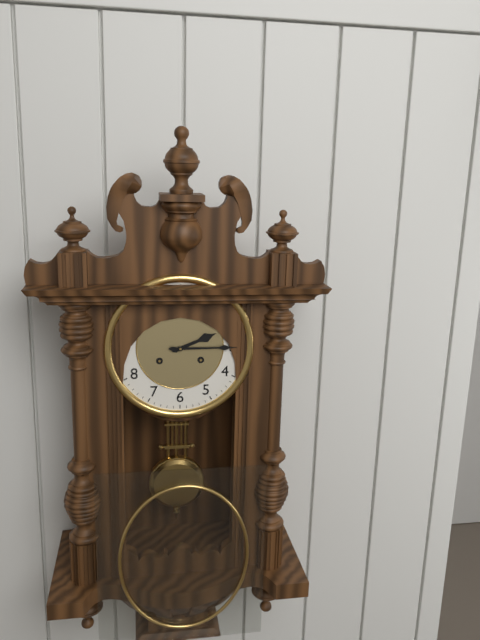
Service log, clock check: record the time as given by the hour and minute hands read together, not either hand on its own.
2:15
